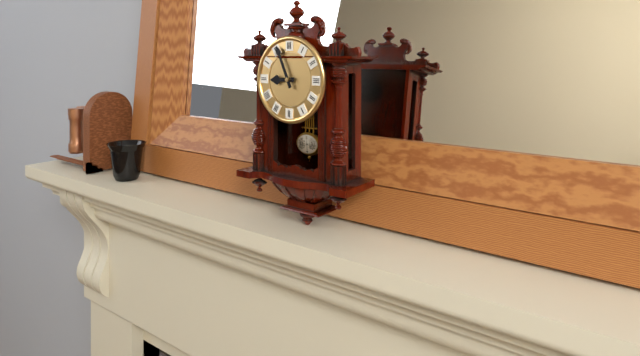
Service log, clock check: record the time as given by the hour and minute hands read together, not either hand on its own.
8:56
